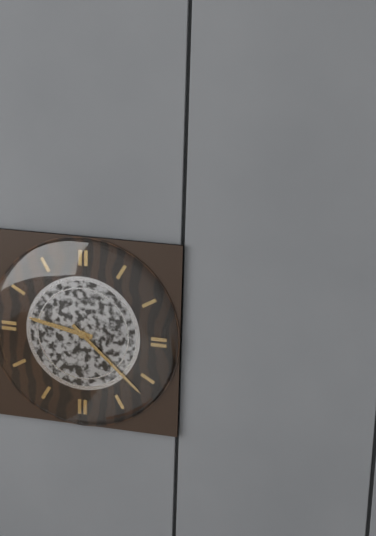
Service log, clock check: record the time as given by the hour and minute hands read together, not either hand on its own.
9:22
